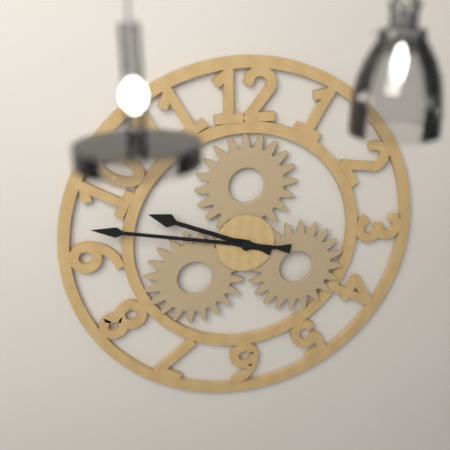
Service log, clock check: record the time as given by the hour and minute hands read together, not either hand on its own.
9:47
